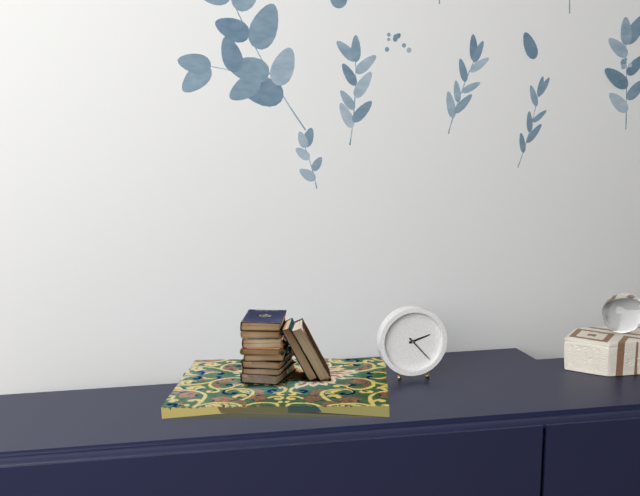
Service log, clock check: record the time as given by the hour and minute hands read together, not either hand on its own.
2:23
